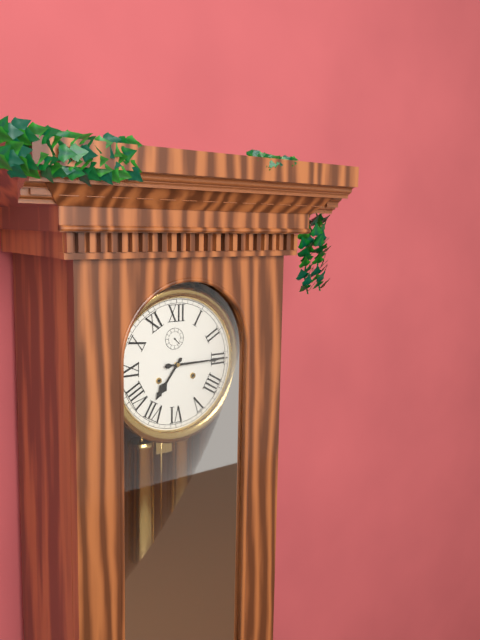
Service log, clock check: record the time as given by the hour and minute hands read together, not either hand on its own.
7:15
